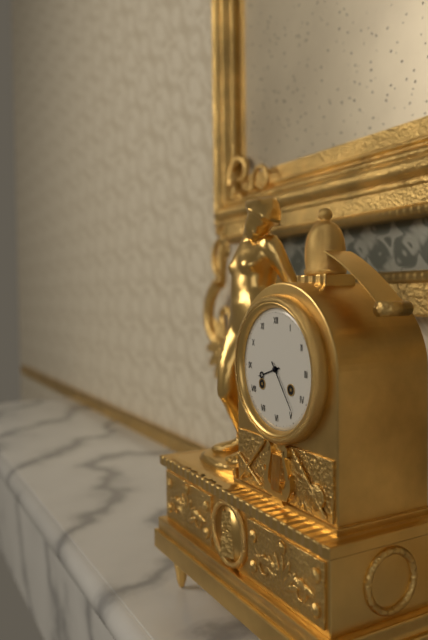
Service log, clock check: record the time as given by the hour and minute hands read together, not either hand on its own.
8:24
